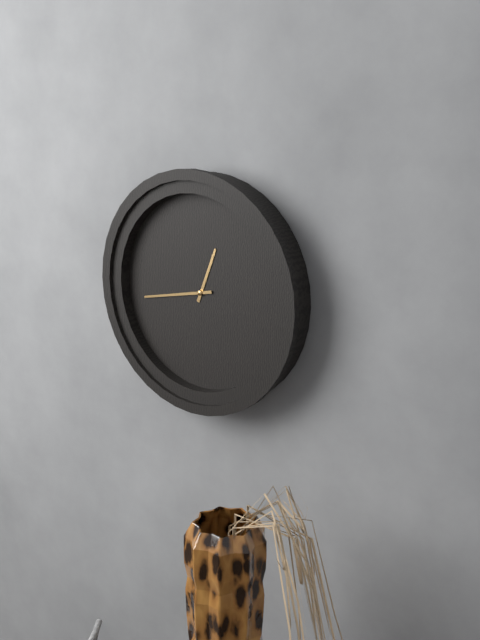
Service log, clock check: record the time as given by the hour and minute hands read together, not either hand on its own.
12:43
